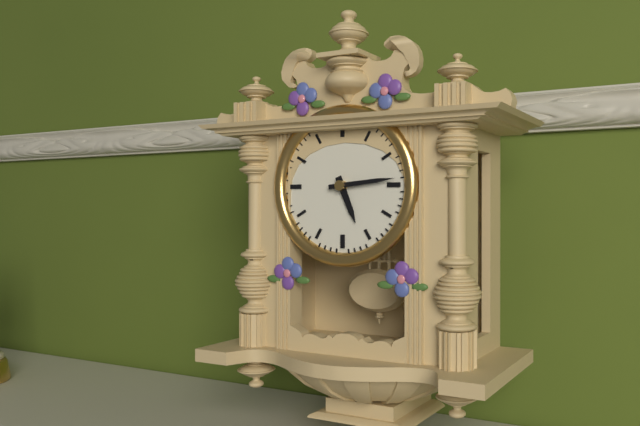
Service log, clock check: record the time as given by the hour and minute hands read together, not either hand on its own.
5:14
